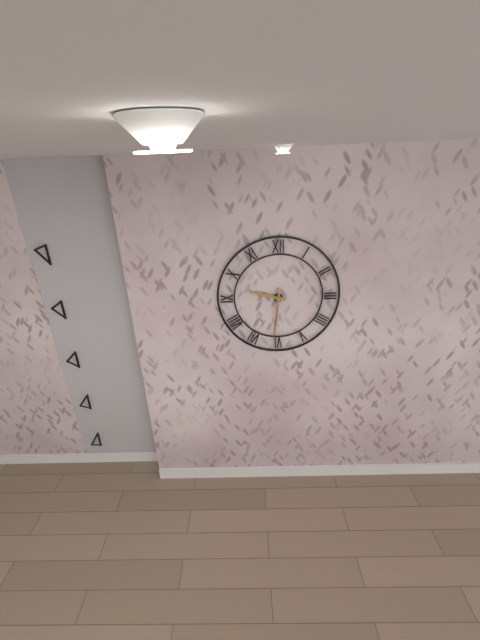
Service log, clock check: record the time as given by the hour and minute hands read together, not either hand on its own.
9:31
